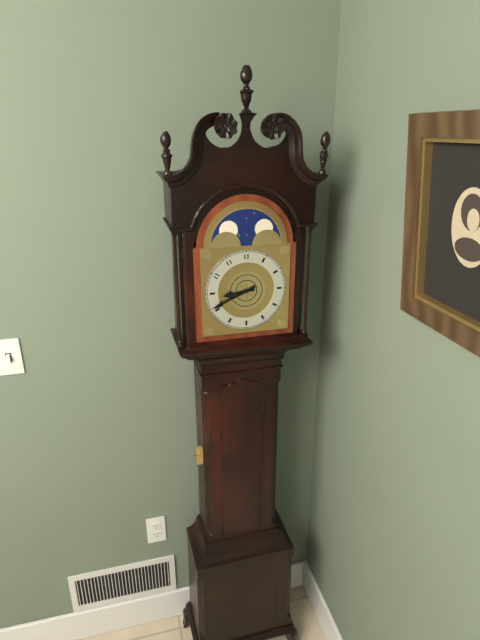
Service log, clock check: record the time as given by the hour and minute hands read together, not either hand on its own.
8:41
